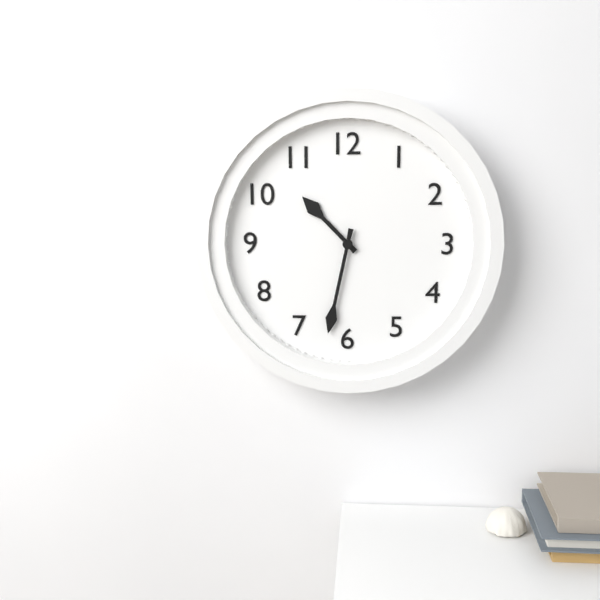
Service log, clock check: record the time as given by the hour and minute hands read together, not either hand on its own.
10:32
